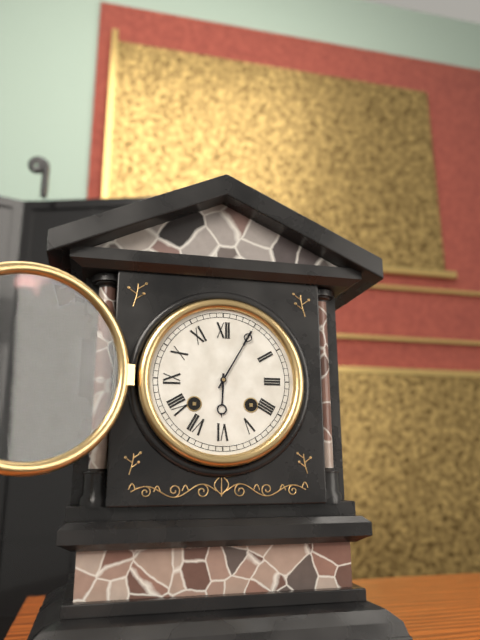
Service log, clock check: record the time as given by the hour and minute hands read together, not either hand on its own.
6:05
